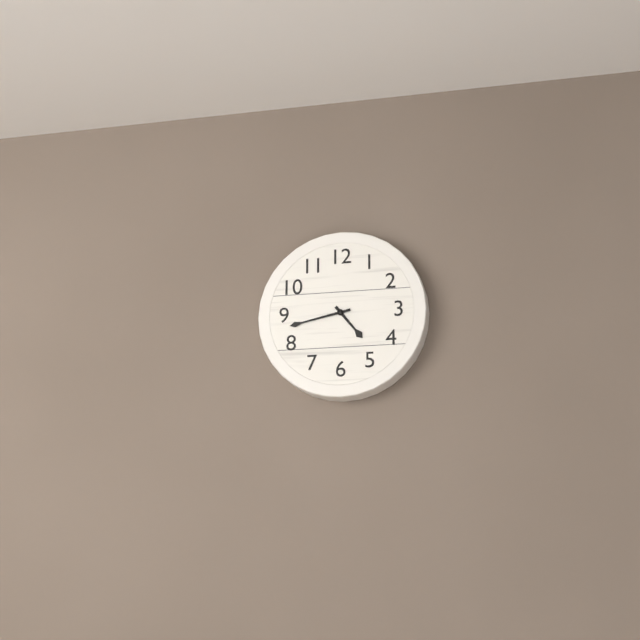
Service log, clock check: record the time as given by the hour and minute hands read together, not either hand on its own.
4:43
